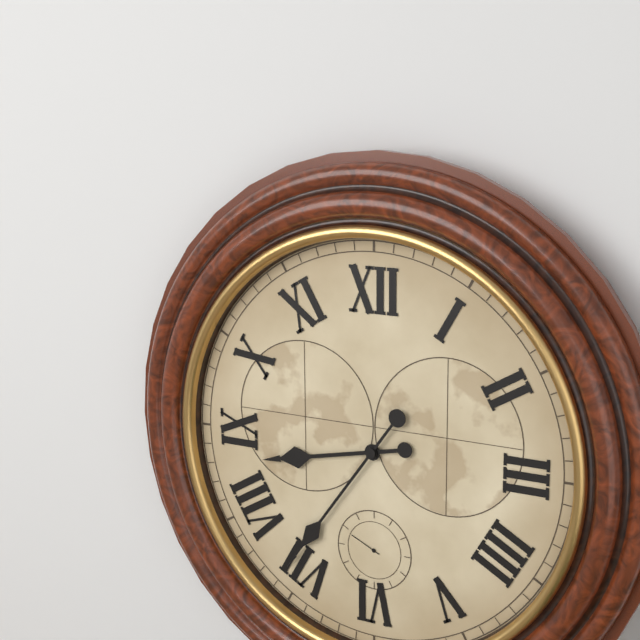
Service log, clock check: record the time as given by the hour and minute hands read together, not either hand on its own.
8:36
